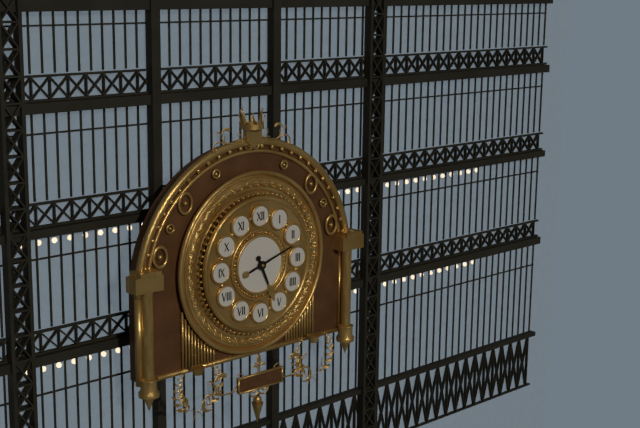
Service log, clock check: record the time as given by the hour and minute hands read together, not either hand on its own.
5:12
